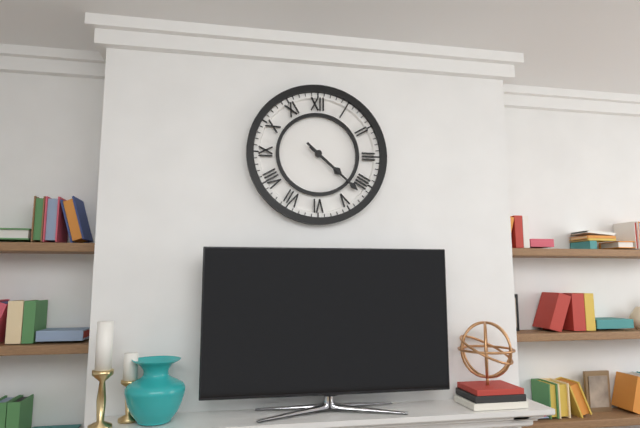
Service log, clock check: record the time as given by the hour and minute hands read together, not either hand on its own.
4:22
